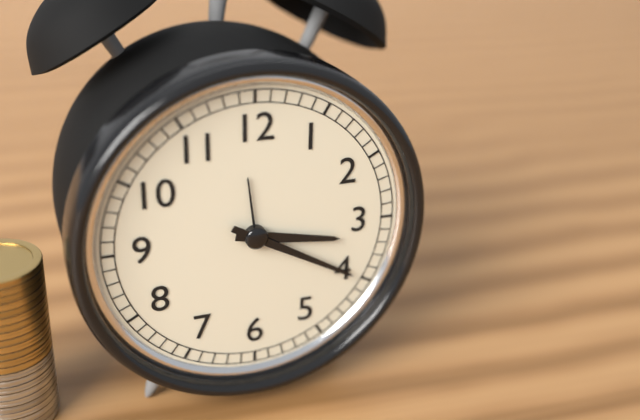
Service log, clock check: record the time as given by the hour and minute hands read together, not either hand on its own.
3:20
